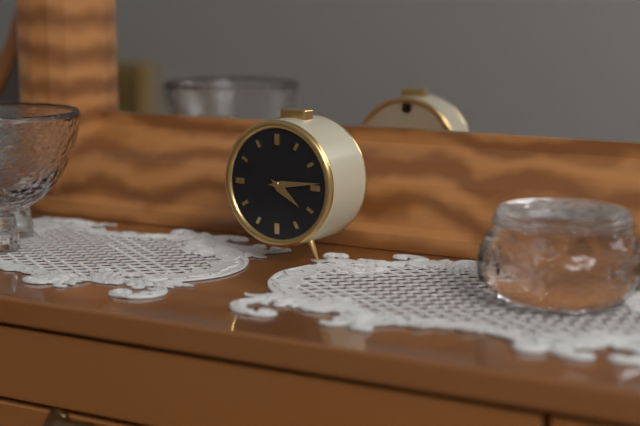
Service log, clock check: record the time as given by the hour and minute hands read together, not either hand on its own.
4:14
